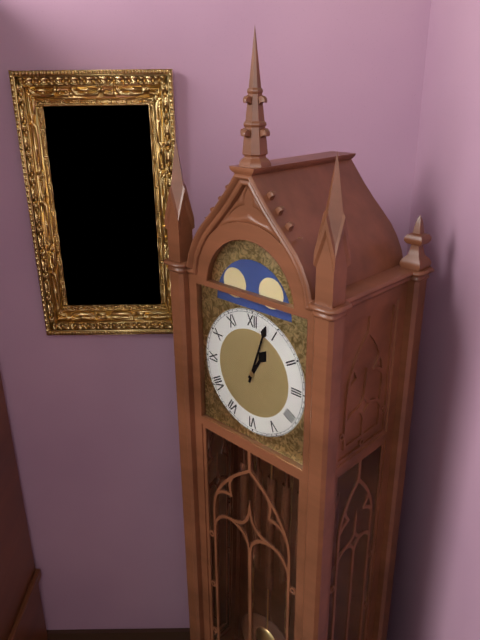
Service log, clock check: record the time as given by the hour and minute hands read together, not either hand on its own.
1:03
